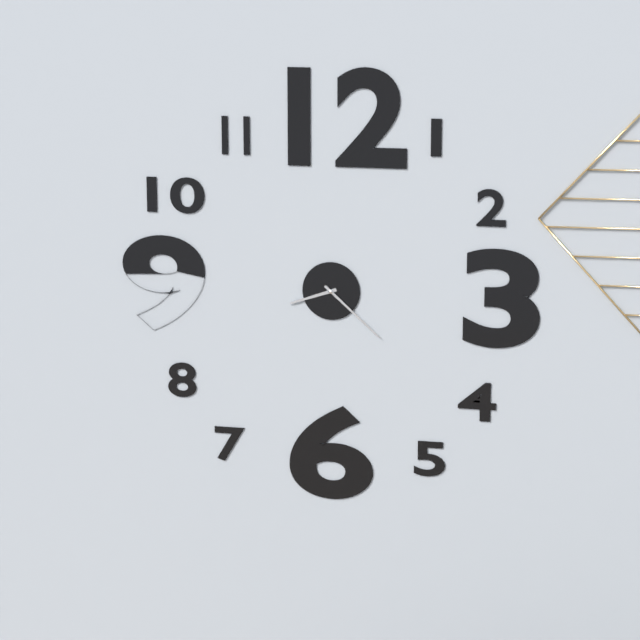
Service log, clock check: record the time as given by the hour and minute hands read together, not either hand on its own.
8:22
